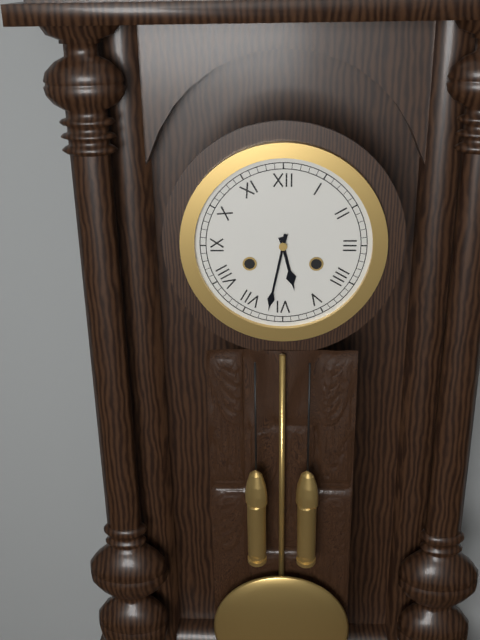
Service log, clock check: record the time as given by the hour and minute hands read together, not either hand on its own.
5:32
